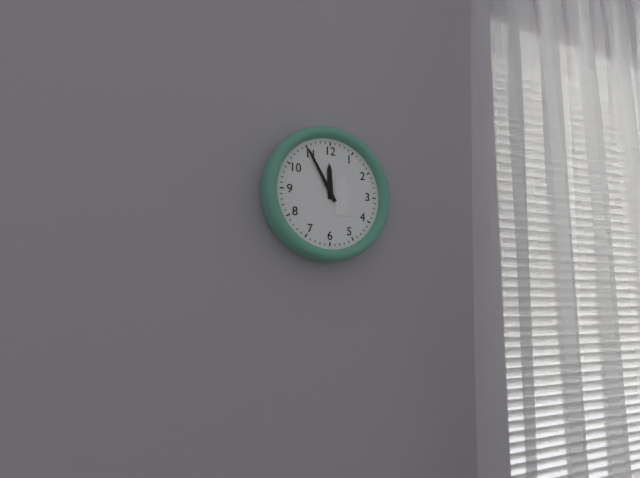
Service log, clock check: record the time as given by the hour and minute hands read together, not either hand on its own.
11:55
